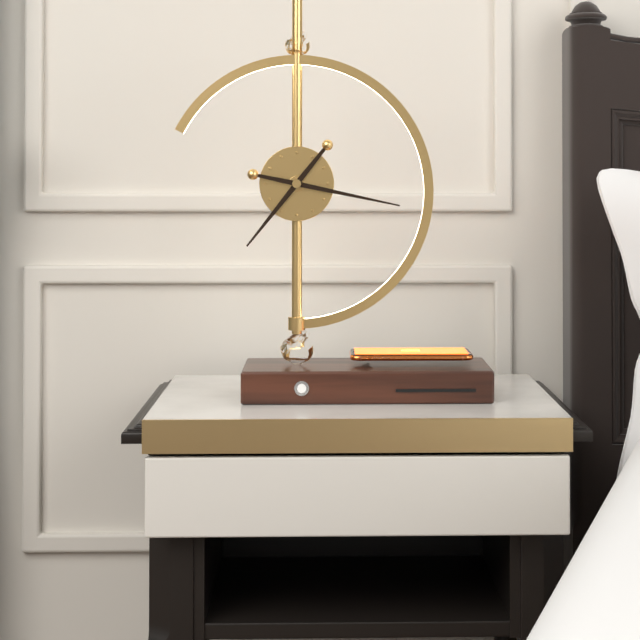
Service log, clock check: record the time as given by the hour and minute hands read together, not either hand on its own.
7:17
